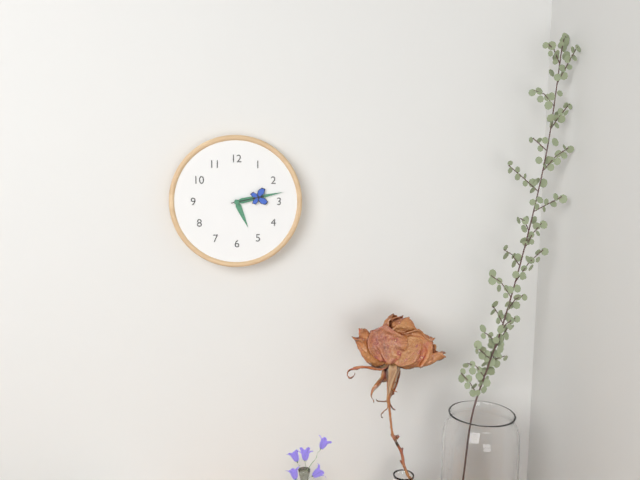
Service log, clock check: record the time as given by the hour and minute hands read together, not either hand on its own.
5:13
